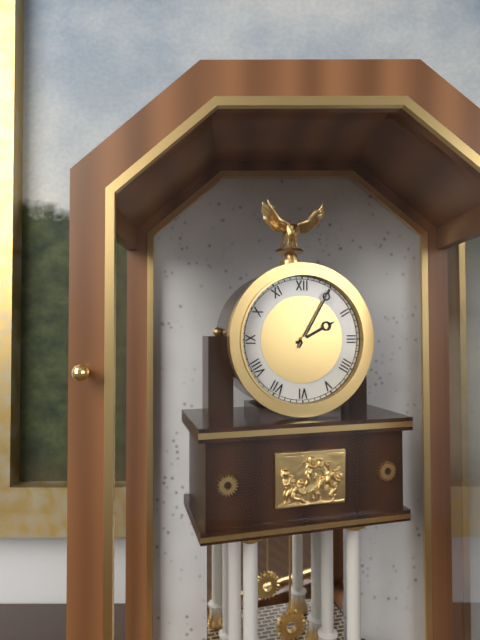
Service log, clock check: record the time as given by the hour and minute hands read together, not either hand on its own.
2:05
